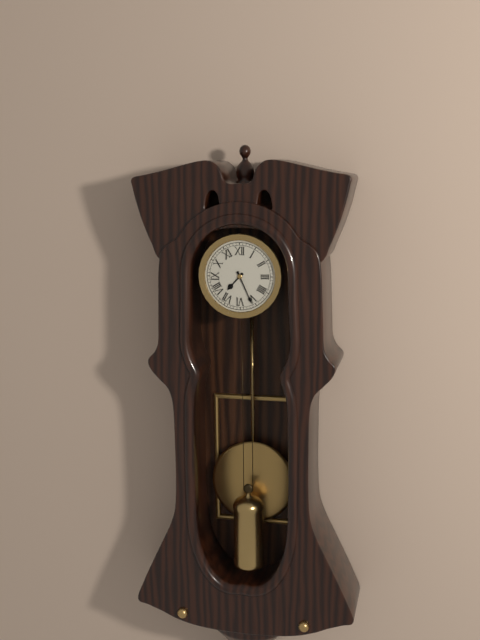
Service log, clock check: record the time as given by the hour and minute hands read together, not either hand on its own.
7:26
